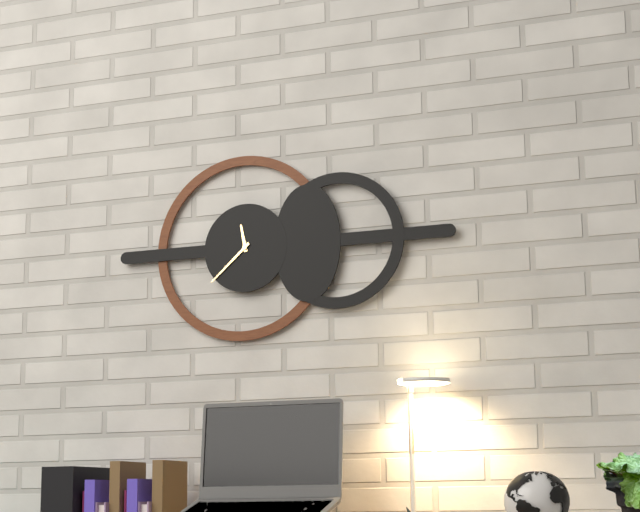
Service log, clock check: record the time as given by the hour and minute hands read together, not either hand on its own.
11:38
